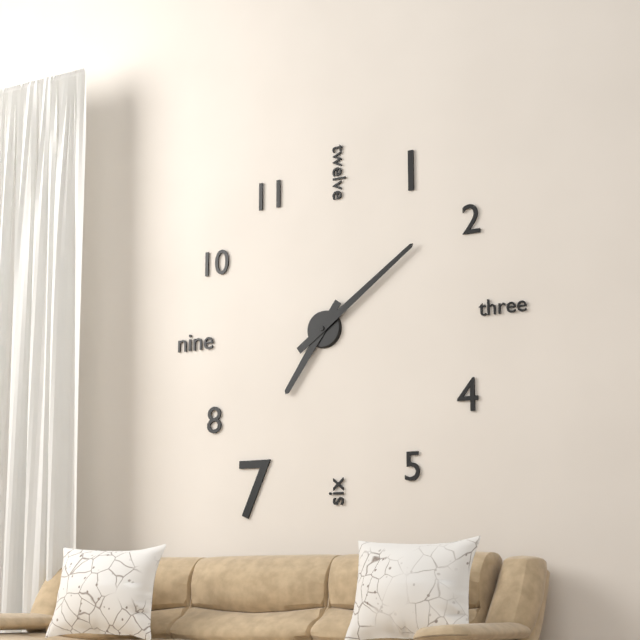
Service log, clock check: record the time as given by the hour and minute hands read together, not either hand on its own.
7:09
